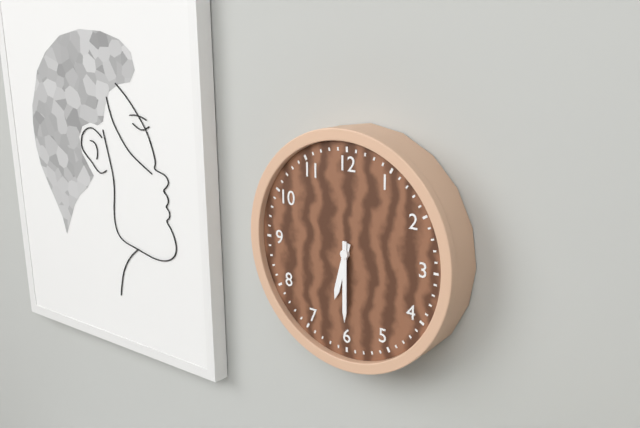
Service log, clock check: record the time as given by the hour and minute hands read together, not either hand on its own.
6:30
